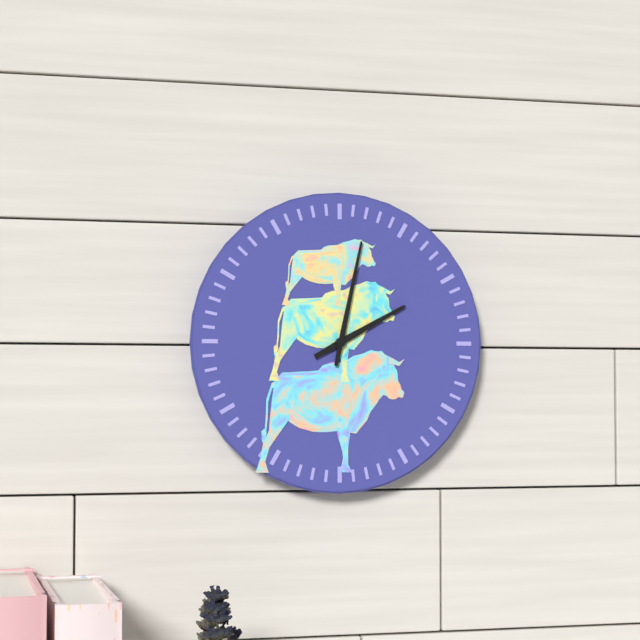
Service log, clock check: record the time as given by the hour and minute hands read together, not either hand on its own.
2:02
